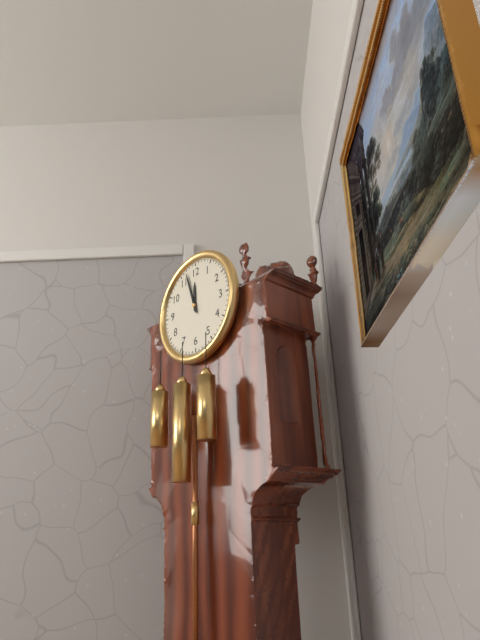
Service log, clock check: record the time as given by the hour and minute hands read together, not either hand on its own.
11:57
